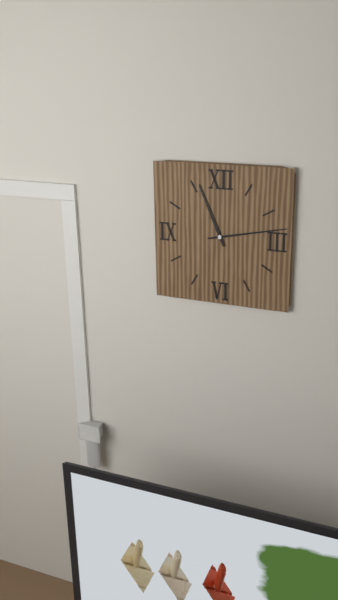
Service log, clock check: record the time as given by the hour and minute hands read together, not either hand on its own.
11:13
